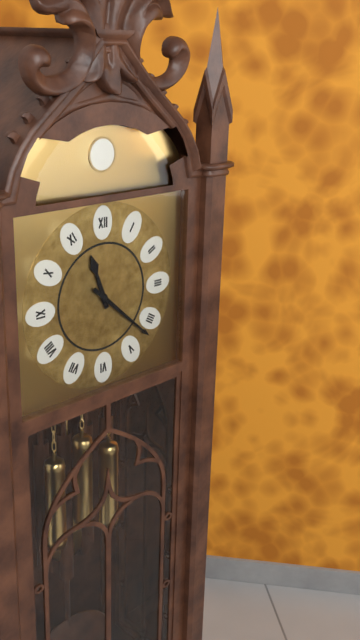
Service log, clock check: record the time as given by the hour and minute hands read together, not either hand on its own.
11:22
